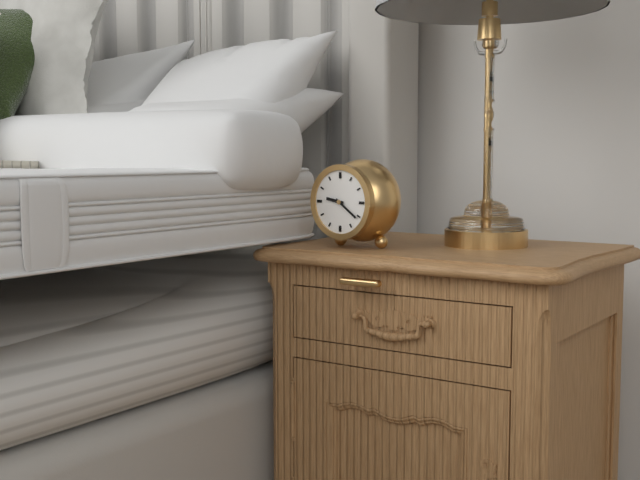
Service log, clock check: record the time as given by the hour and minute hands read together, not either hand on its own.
9:21
